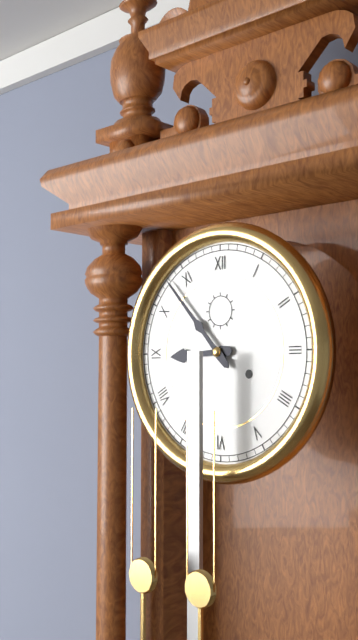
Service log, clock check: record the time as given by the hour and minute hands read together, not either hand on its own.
8:53
